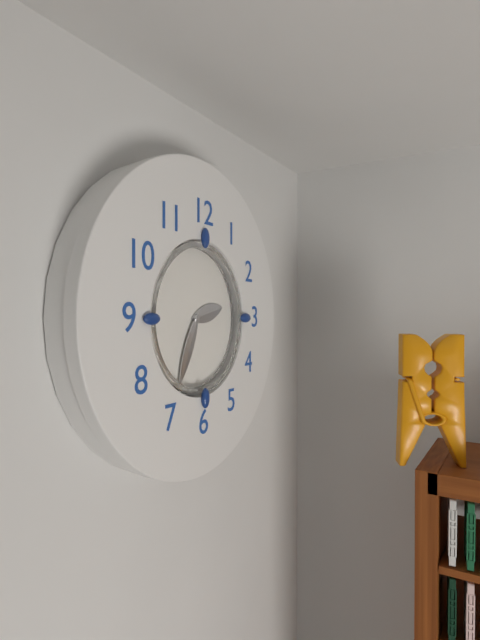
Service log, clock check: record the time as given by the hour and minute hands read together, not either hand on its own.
2:34
